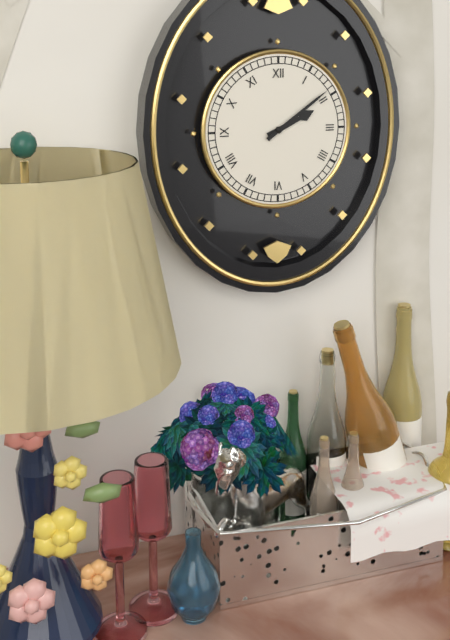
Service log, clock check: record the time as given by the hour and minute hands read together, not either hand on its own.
2:09
